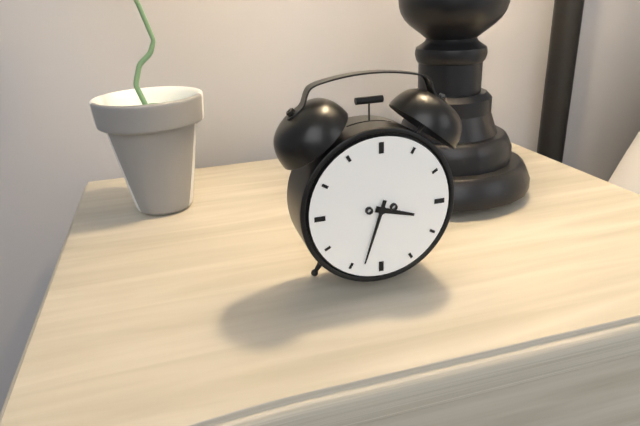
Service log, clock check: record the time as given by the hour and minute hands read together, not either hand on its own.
3:33
